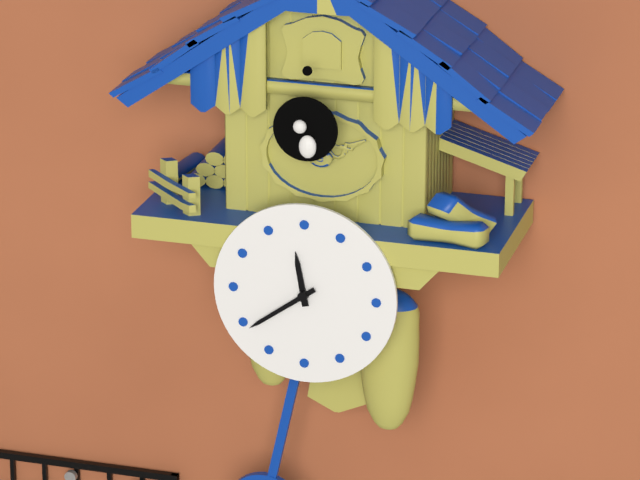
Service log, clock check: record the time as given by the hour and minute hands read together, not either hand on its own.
11:39
